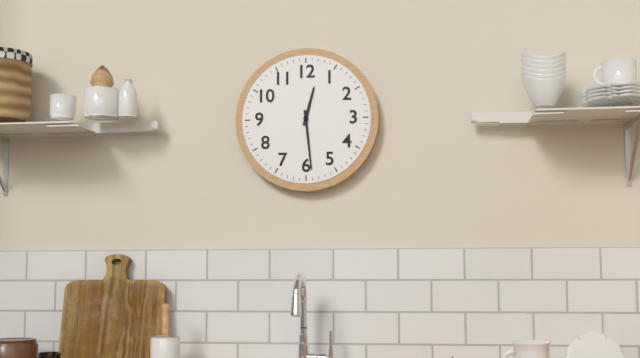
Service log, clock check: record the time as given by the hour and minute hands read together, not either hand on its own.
12:29
